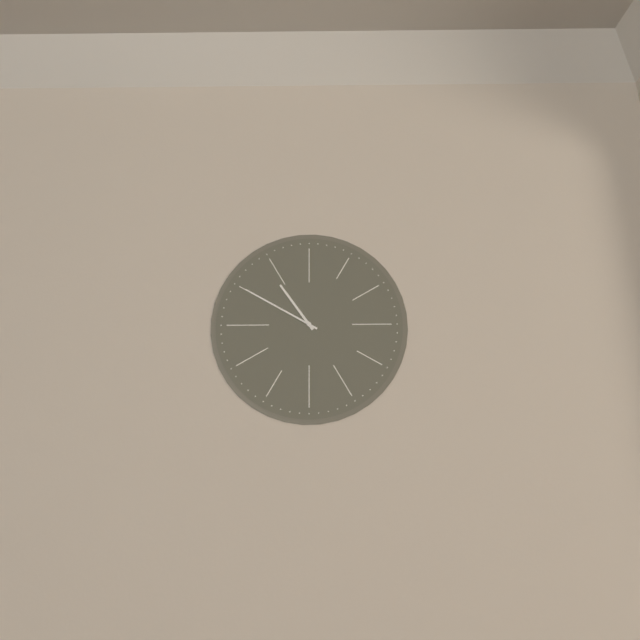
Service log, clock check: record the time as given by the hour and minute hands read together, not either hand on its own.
10:50
